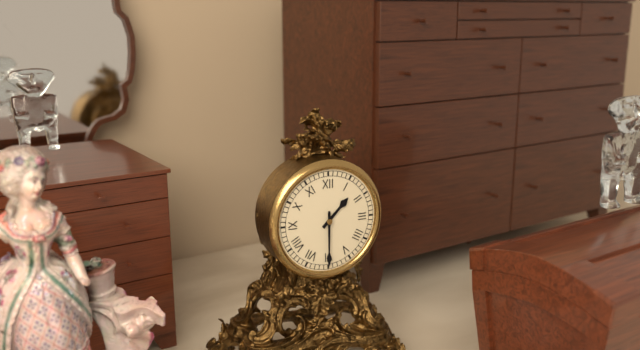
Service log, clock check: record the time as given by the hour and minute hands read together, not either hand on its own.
1:30
